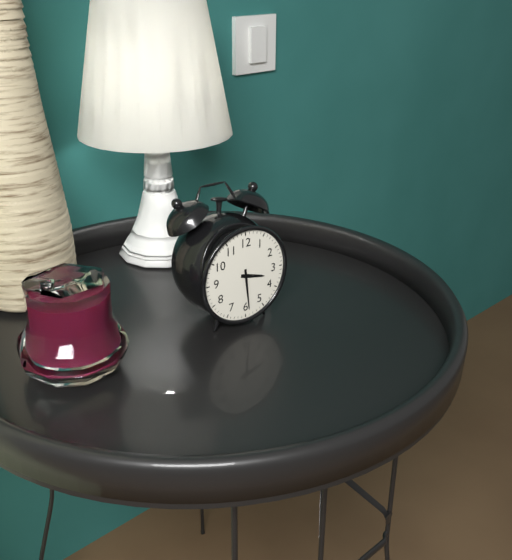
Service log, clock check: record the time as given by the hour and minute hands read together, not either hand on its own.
3:29
